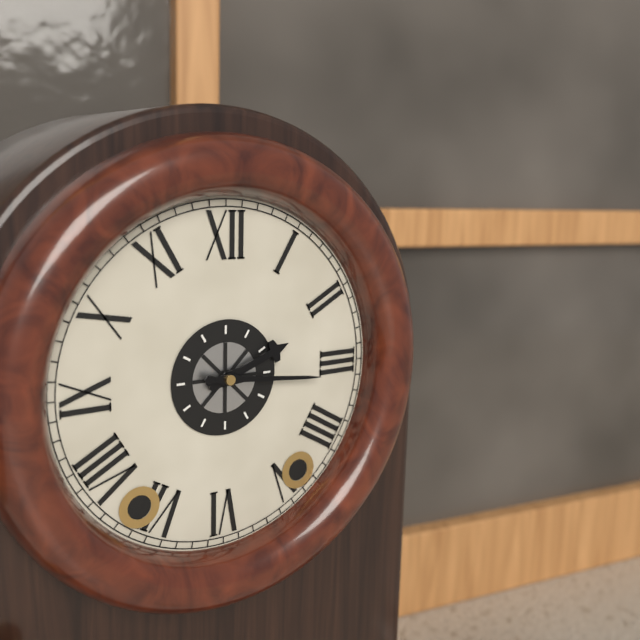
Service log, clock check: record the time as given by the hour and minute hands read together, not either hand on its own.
2:16
